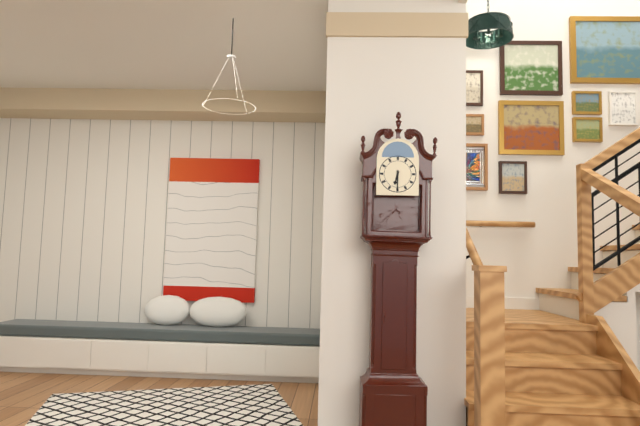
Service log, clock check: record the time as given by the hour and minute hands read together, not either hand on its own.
6:30
